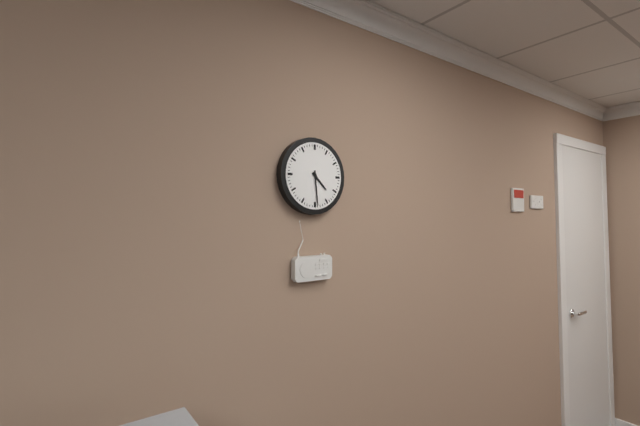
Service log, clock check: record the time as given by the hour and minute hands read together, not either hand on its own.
4:29
